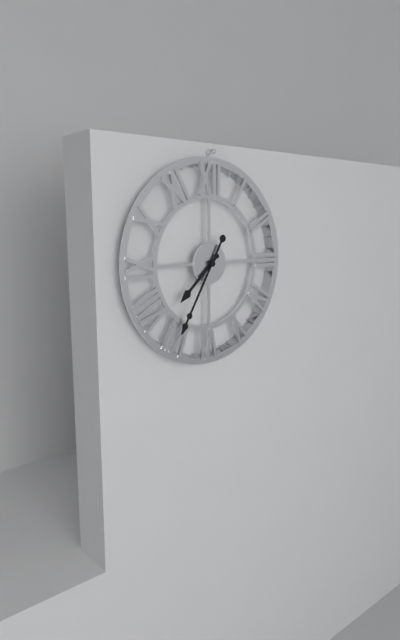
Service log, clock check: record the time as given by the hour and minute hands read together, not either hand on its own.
7:35
